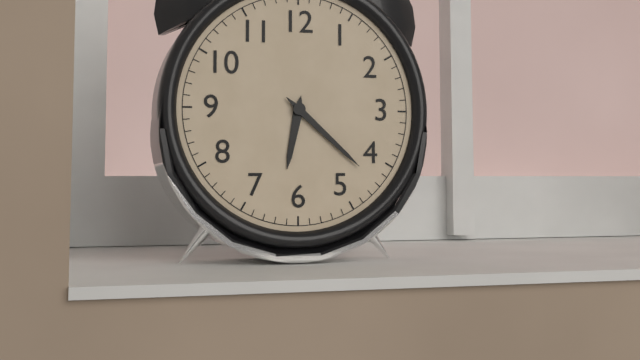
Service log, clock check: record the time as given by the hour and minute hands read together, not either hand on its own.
6:22
